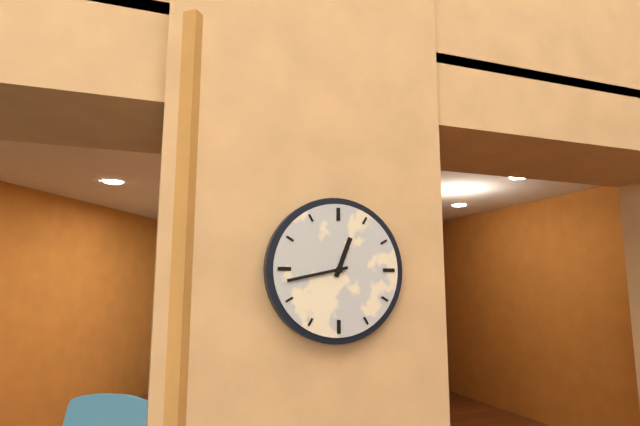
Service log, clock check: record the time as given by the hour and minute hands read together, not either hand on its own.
12:43
